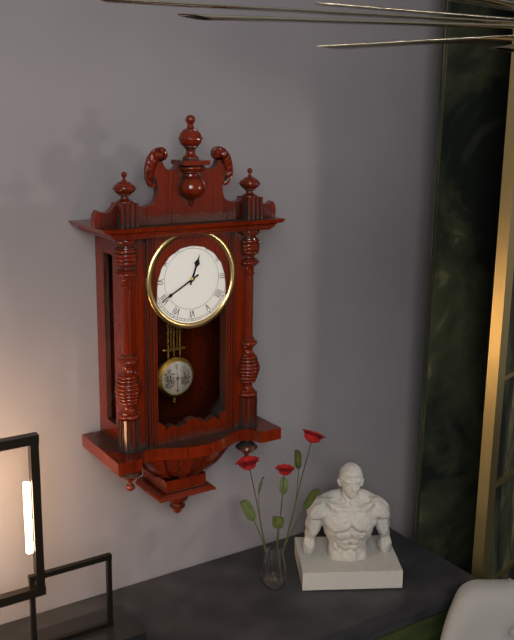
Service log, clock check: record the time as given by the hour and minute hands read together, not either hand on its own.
12:40
